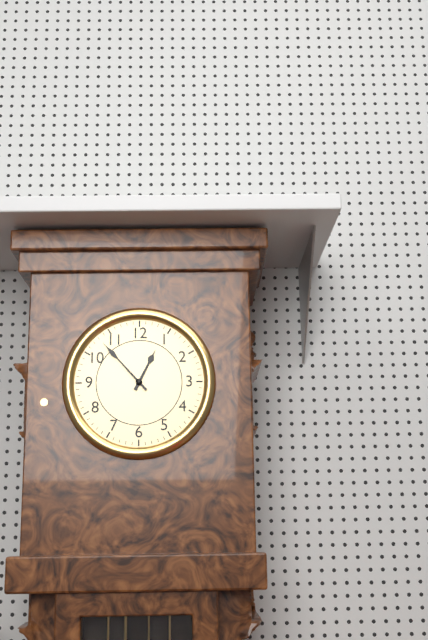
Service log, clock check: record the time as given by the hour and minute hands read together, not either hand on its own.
12:53
